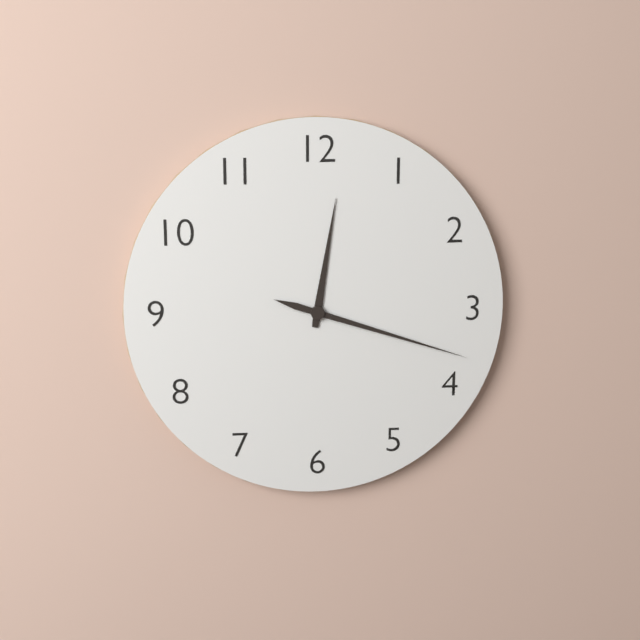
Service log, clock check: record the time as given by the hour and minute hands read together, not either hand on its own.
12:18
